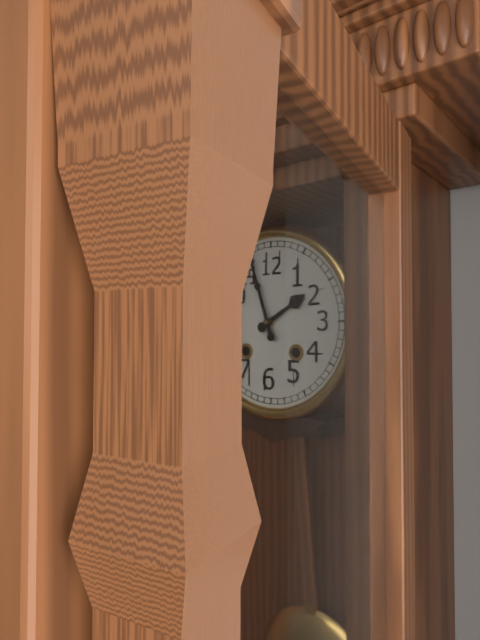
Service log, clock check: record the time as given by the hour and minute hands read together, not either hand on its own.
1:57
